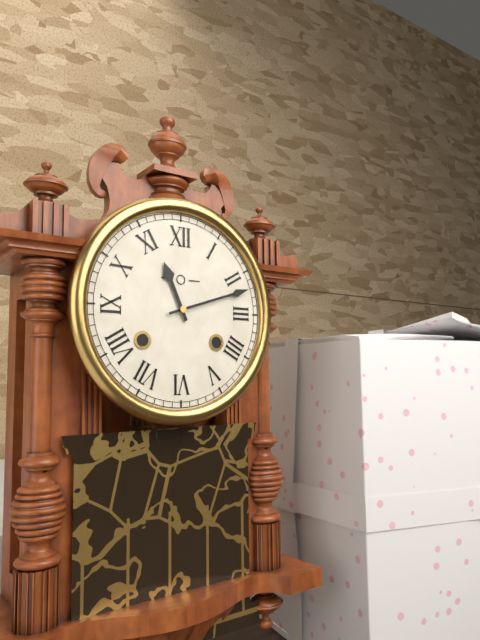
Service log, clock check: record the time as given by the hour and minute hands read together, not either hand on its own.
11:12
